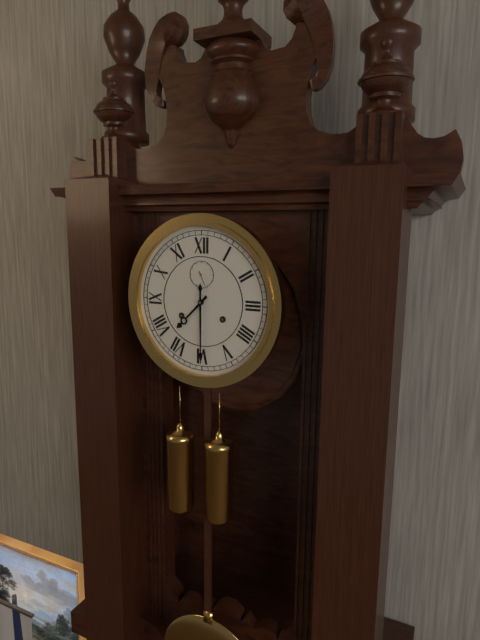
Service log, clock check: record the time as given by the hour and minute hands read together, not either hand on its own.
7:30
